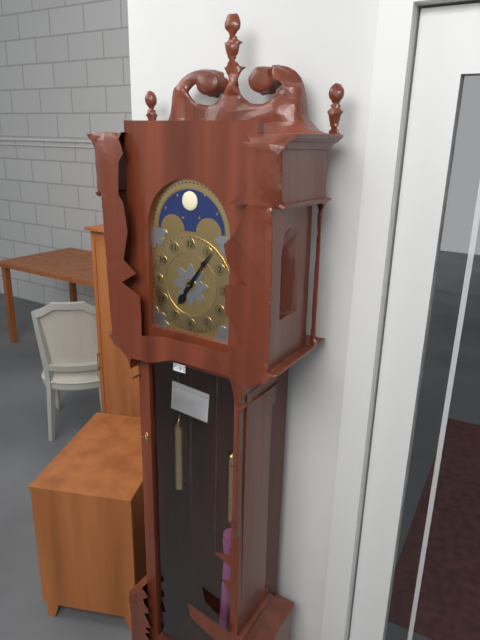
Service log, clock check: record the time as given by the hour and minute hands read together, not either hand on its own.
7:06
